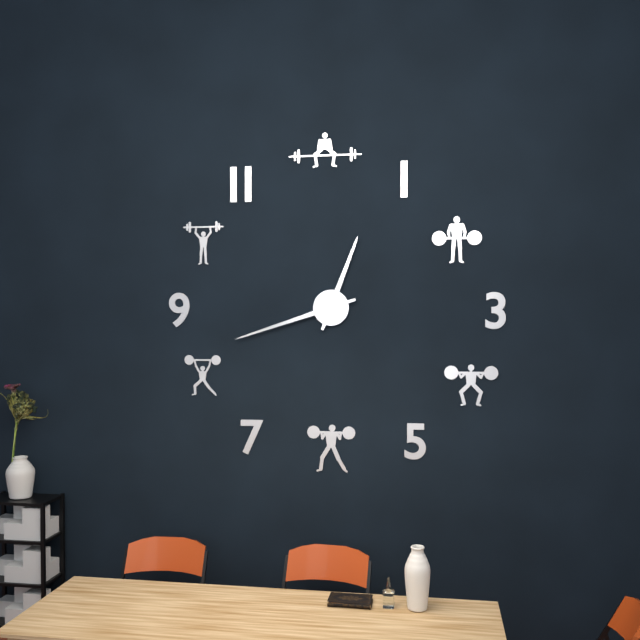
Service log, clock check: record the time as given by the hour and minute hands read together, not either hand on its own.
12:42
